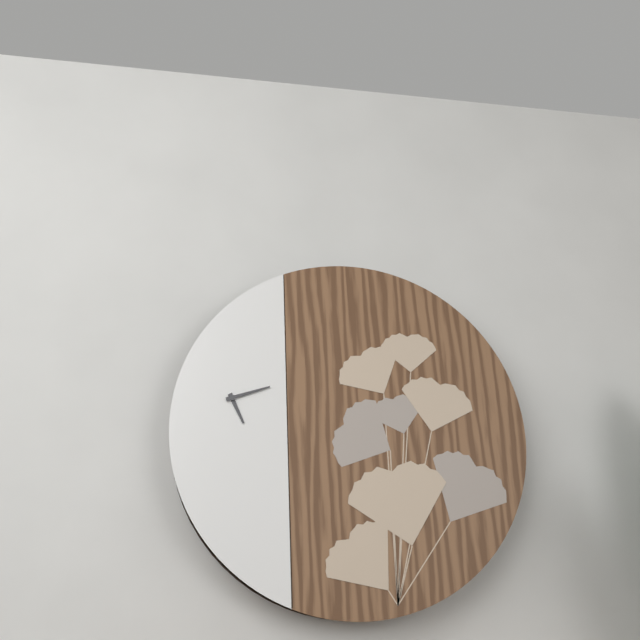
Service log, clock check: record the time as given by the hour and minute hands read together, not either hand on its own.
5:12
